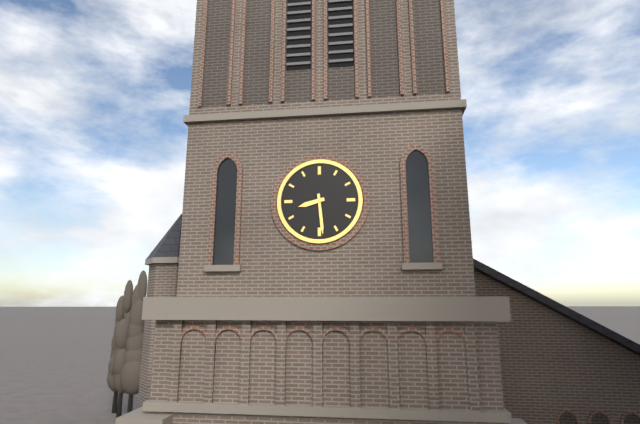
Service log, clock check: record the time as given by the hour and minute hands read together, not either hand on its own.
8:29
